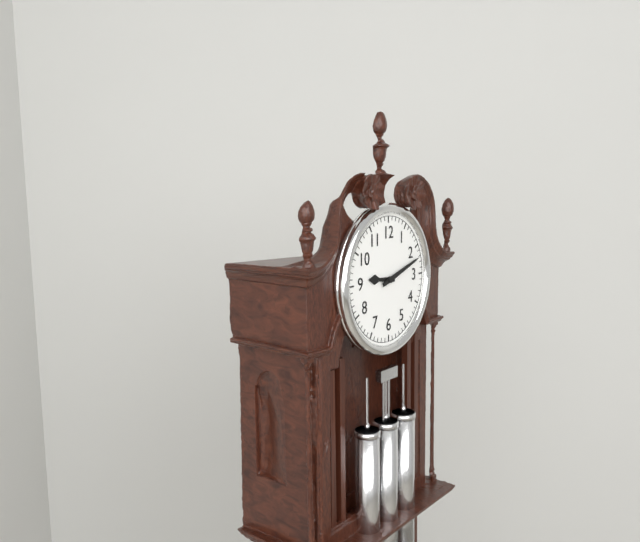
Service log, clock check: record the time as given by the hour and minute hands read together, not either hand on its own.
9:12
